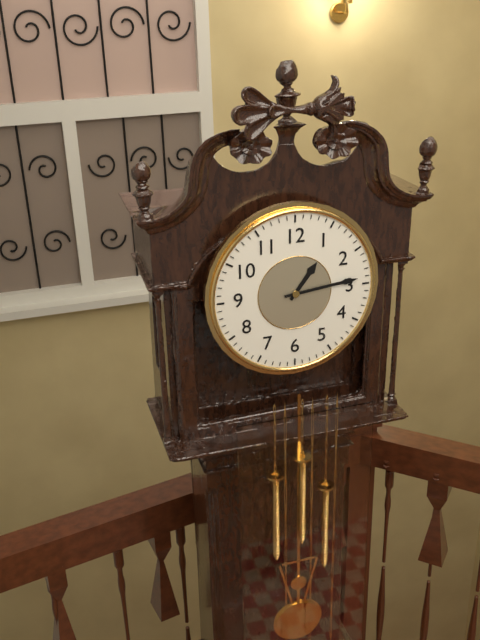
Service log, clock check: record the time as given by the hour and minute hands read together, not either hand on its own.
1:14
